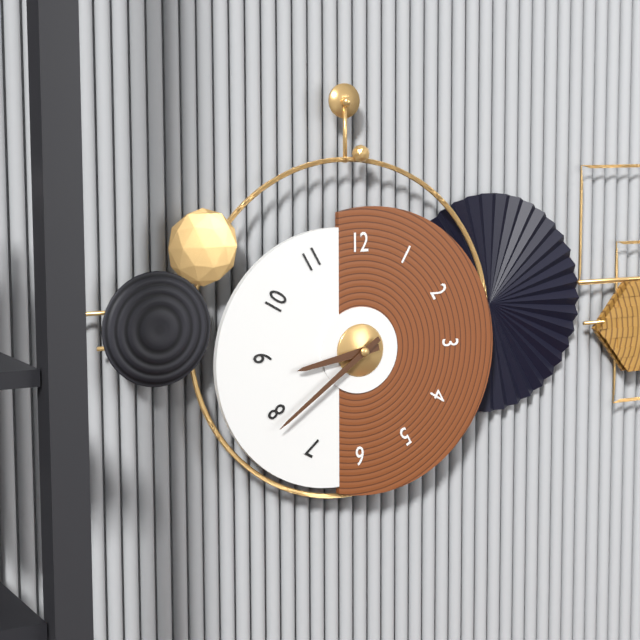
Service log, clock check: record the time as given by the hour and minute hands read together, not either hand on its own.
8:39
